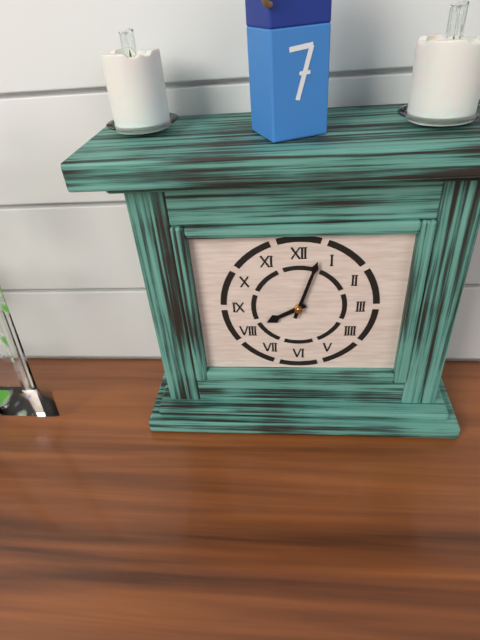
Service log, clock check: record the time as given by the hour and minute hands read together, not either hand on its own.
8:03
